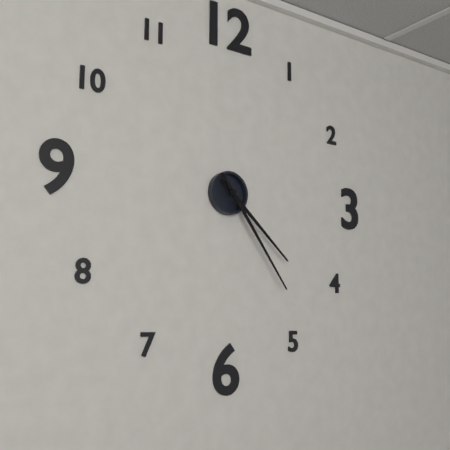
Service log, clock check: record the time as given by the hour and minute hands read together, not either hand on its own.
4:24
